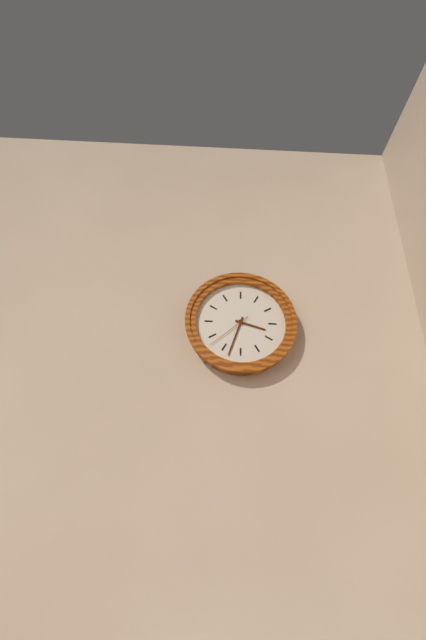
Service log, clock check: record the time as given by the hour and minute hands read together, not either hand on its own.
3:33
